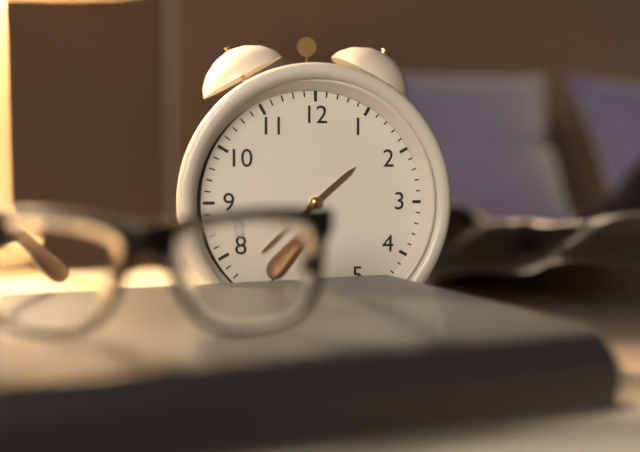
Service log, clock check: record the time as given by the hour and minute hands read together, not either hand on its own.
1:38
